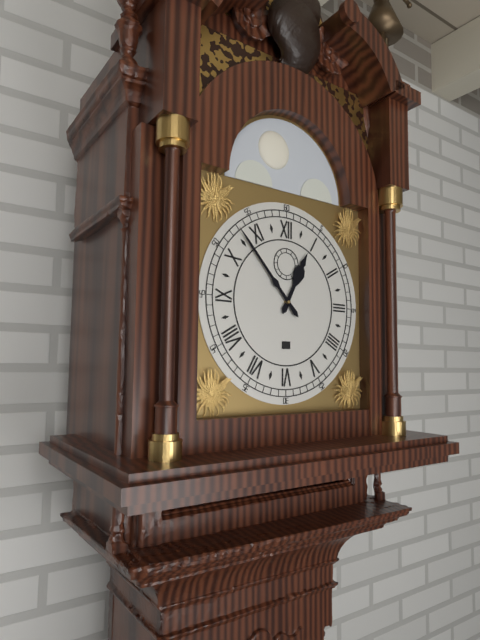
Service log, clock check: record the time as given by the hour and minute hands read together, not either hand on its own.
12:53
